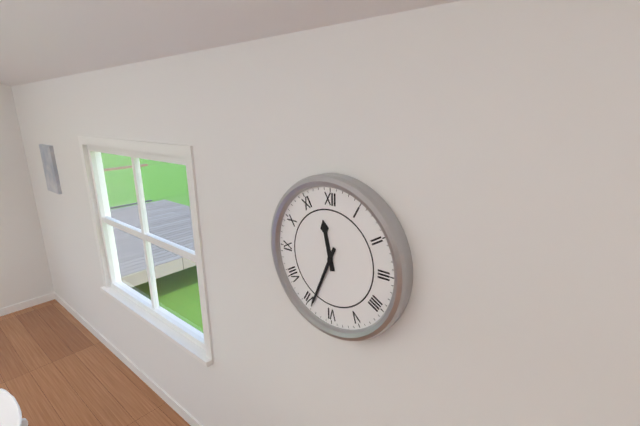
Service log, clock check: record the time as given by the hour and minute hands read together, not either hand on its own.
11:34
